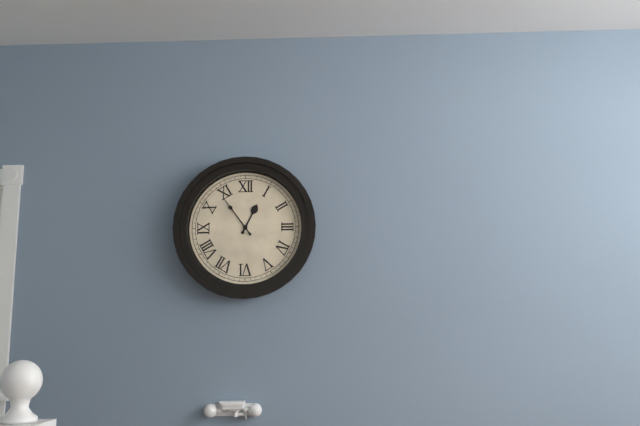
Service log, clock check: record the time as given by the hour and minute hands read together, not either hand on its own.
12:54
